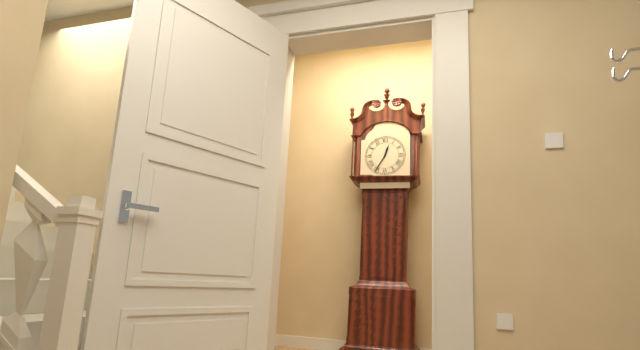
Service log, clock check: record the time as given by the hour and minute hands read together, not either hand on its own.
12:35
